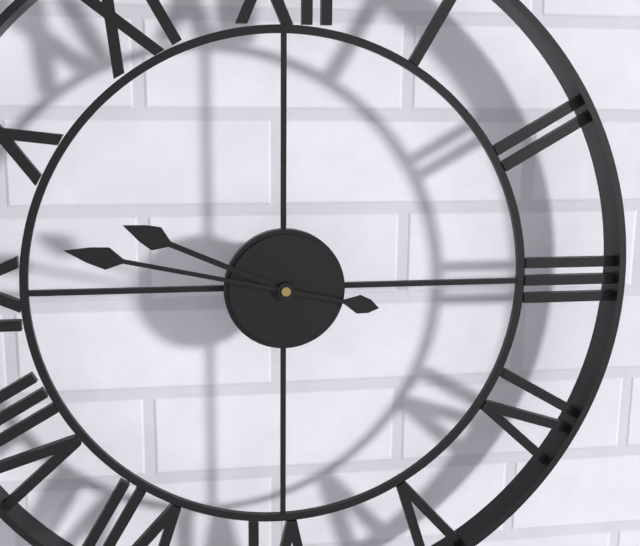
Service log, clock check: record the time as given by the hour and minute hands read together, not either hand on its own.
9:47
